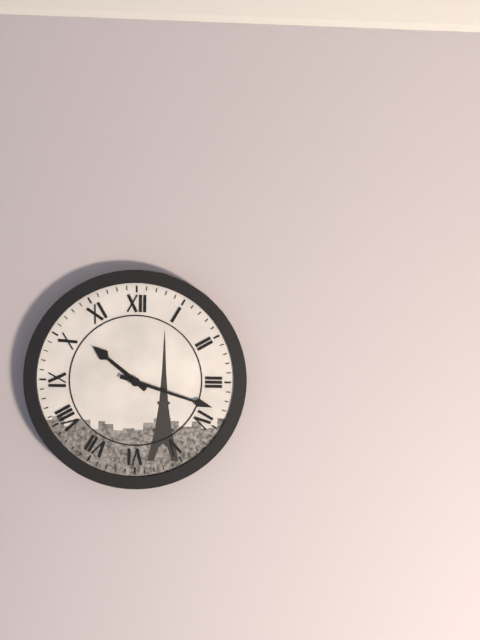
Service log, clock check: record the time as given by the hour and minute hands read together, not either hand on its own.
10:18
